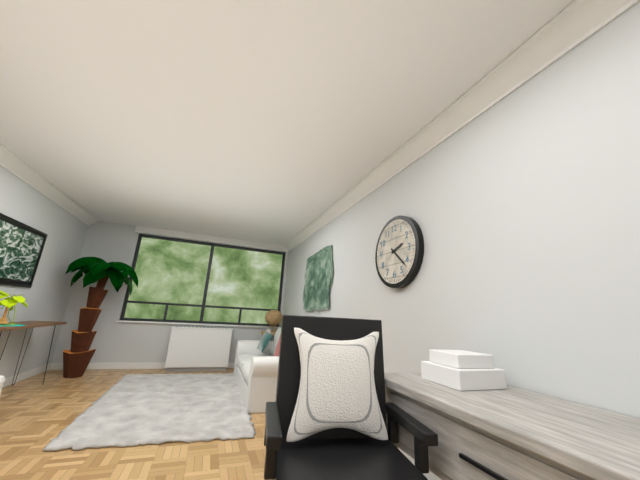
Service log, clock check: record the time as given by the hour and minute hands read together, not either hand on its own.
2:22
